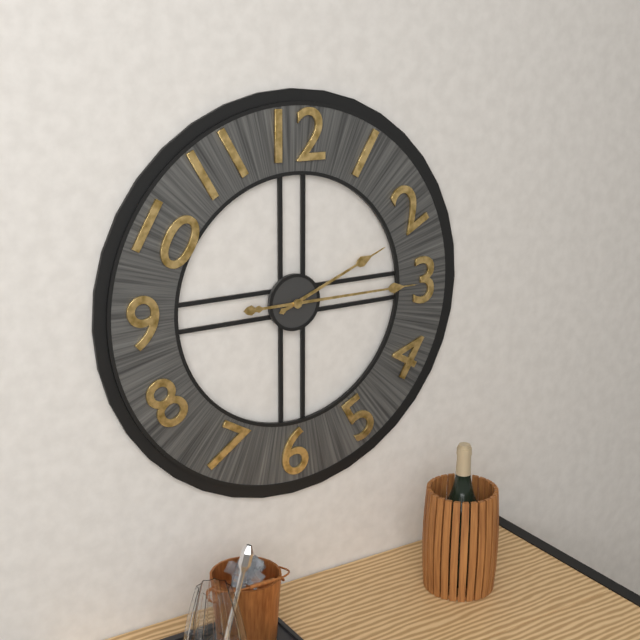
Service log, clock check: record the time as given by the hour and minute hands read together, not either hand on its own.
2:15
